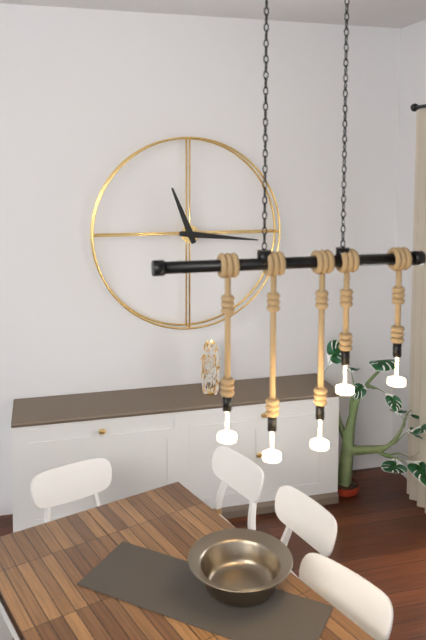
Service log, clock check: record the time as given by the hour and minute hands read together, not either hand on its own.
11:16
